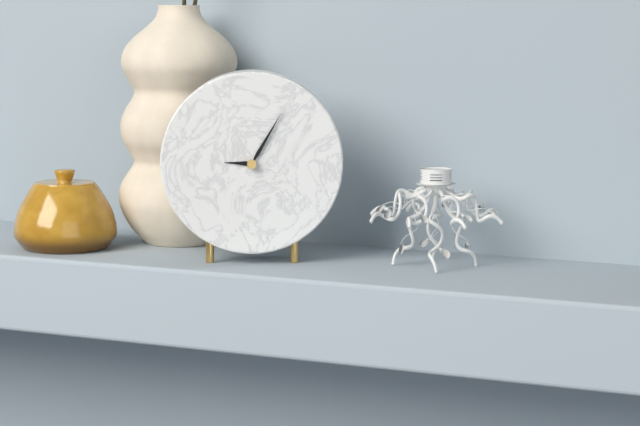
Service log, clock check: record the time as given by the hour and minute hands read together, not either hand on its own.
9:05
